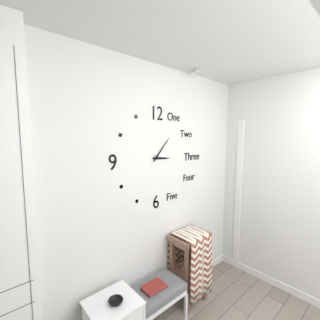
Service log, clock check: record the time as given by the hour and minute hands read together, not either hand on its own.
3:07
